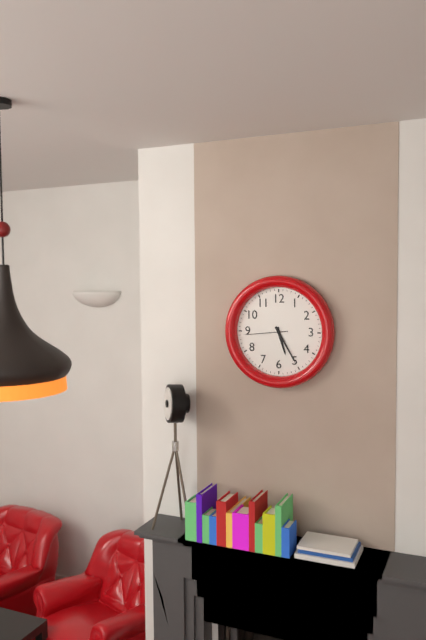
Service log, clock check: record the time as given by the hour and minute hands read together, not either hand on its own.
5:25
